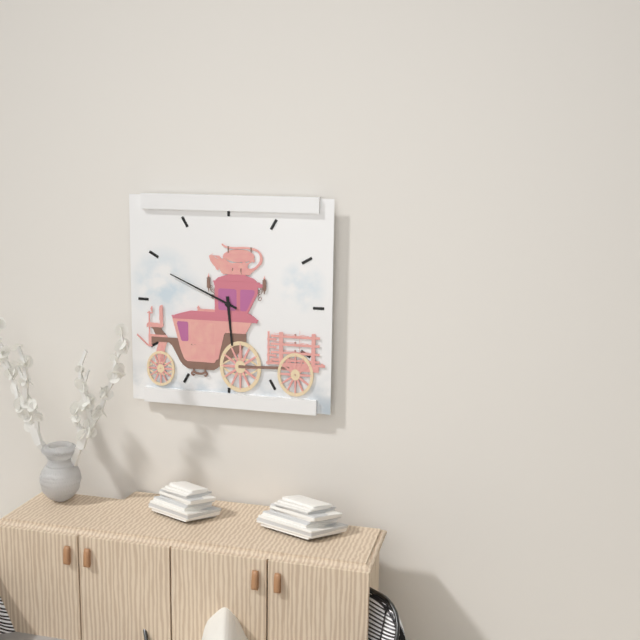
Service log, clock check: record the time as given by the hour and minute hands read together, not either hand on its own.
5:49
